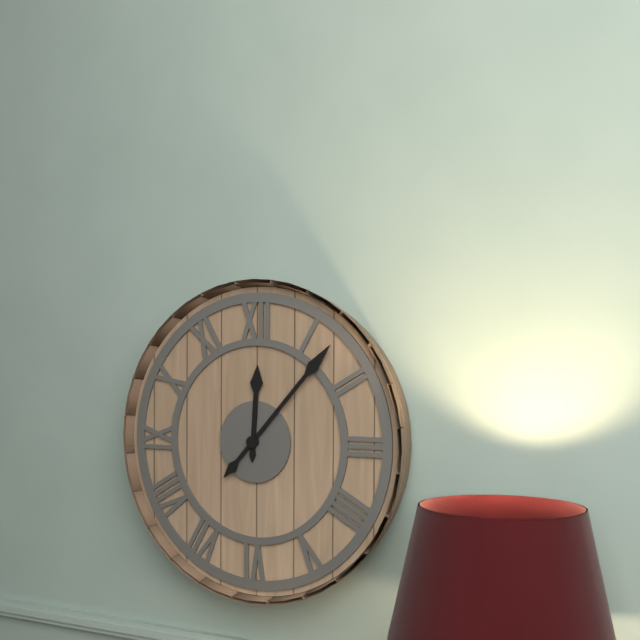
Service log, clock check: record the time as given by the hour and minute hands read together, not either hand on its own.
12:07
